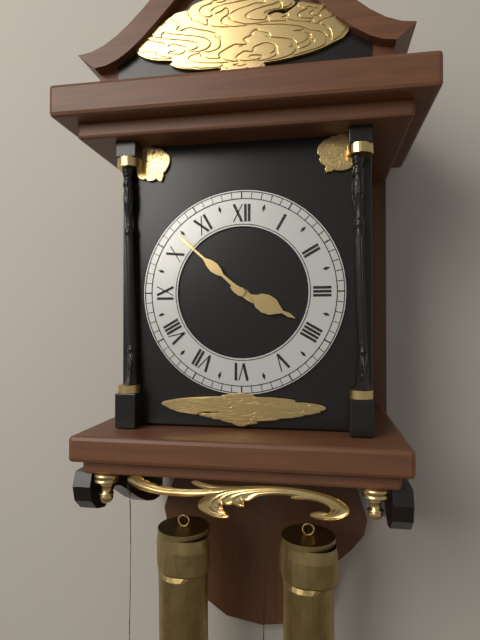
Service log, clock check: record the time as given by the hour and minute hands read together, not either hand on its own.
3:52
